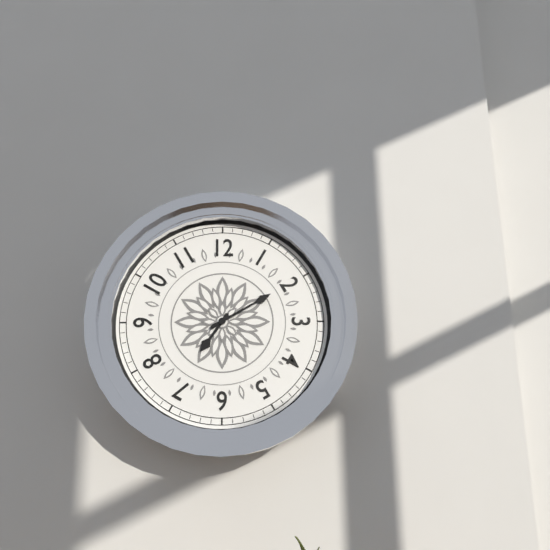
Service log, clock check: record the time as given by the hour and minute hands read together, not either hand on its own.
7:10
